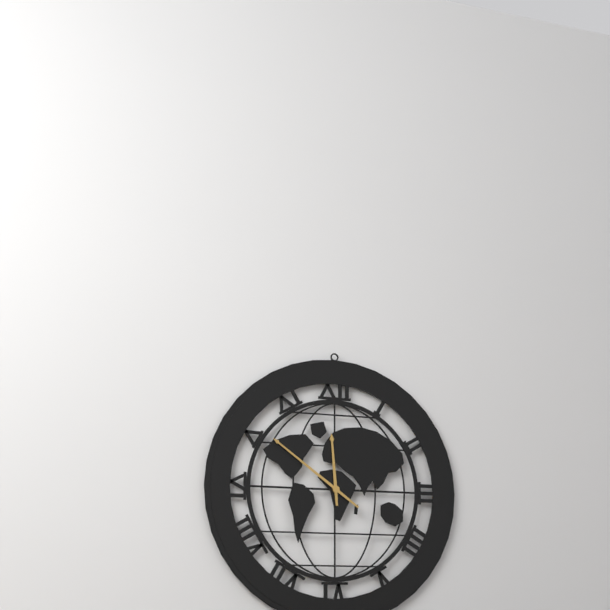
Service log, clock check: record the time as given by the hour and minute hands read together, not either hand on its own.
11:51
